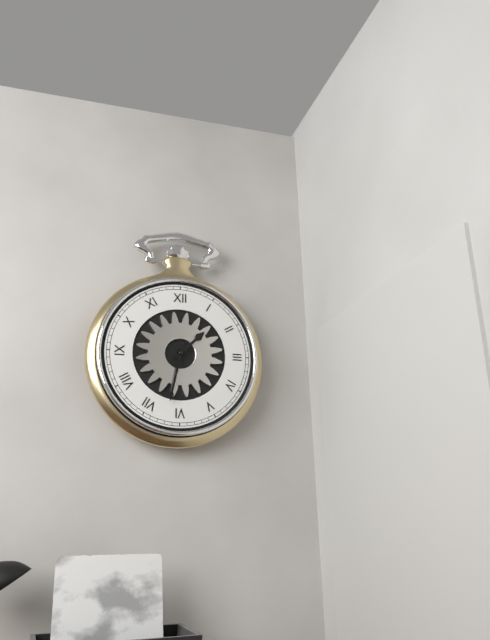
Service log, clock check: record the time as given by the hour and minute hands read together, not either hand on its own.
1:32
